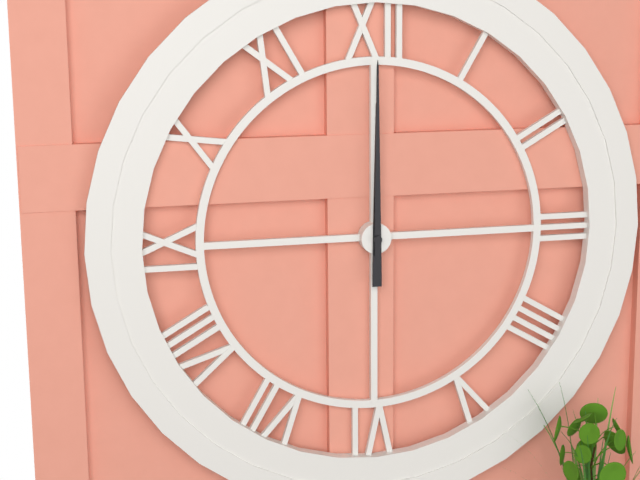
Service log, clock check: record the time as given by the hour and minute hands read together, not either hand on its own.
12:00
